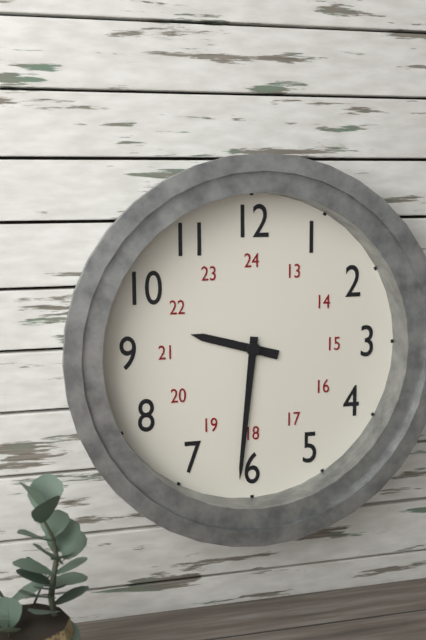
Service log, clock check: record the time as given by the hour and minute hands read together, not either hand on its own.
9:31
